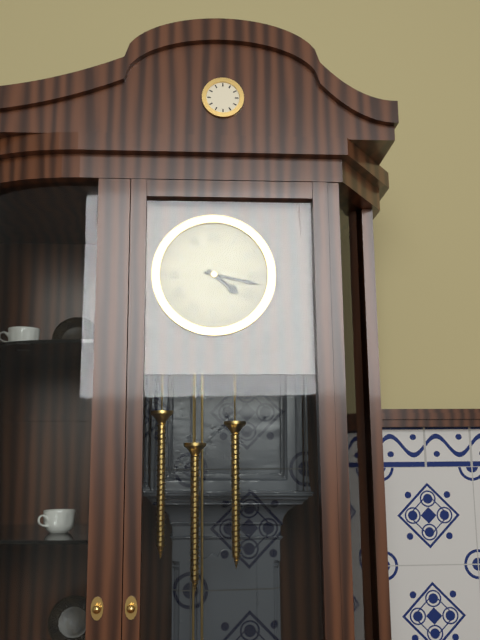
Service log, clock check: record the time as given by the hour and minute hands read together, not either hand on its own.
4:17
